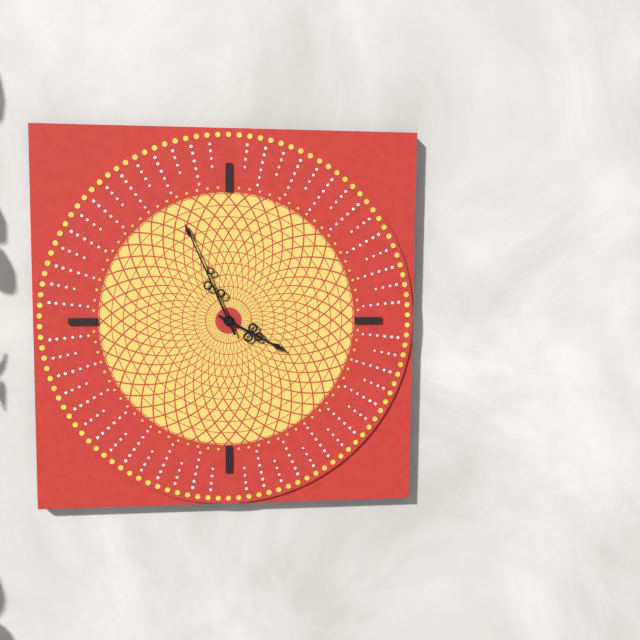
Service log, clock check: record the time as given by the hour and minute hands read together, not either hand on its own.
3:56
